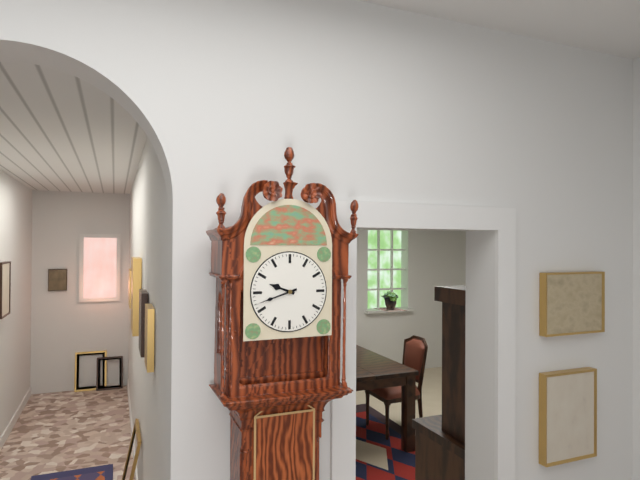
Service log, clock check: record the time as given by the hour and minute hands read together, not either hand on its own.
9:42
